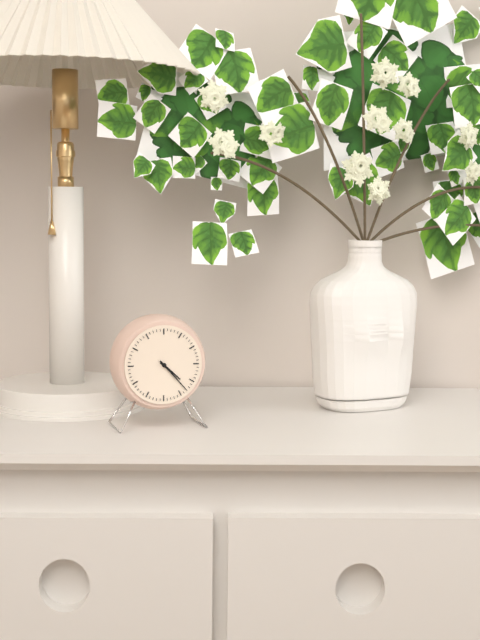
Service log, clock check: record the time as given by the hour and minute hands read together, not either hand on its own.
4:23
